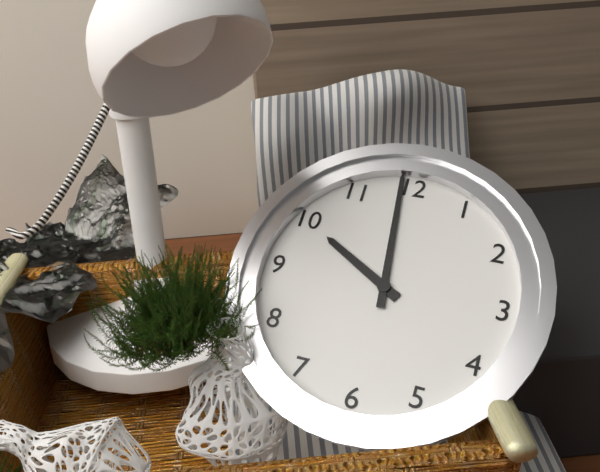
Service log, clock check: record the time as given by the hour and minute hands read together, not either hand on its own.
9:59
